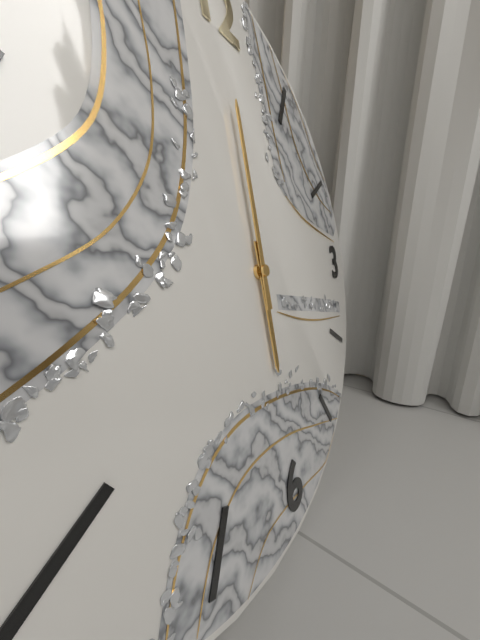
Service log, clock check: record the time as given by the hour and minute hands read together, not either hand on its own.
6:00
